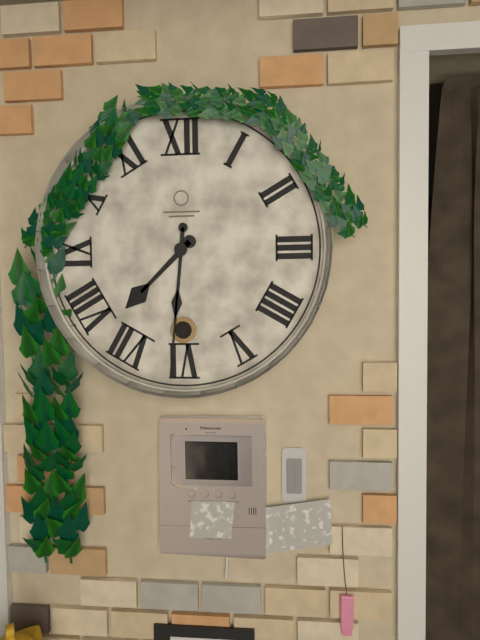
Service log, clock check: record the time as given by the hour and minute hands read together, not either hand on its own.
7:31
